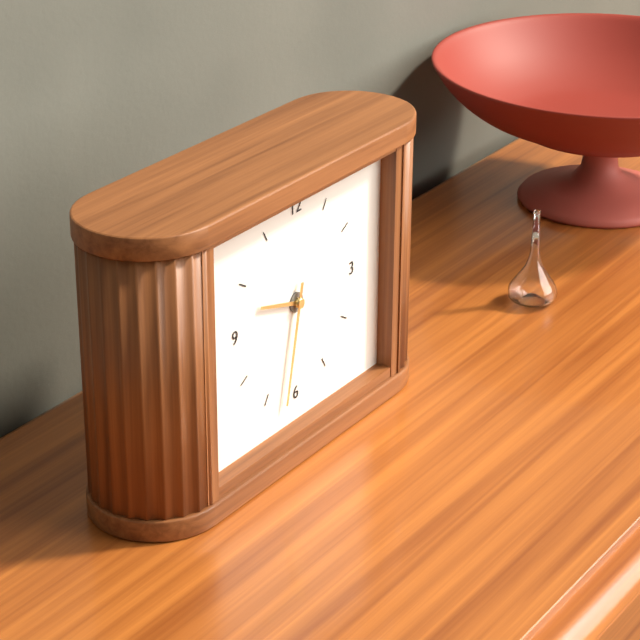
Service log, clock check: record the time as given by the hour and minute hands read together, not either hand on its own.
9:32
